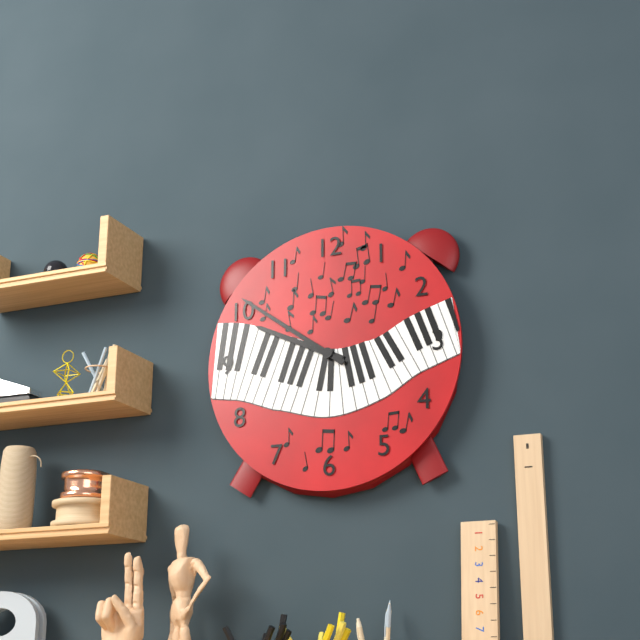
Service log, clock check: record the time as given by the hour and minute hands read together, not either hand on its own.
9:51
